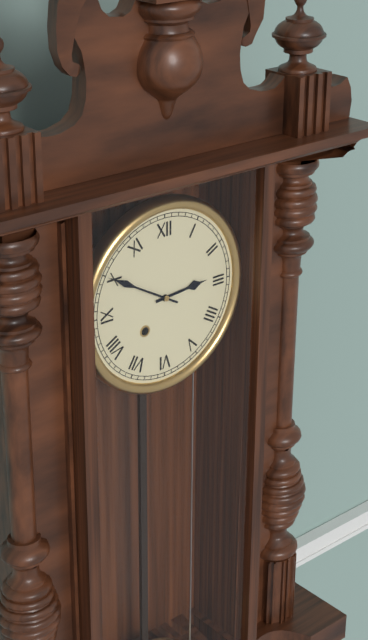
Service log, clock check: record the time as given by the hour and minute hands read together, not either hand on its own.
2:50
